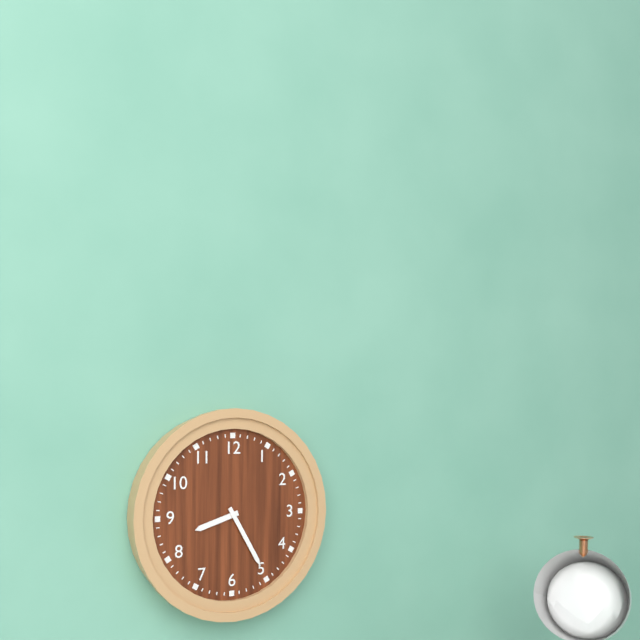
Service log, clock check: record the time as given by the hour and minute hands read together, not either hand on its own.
8:25
